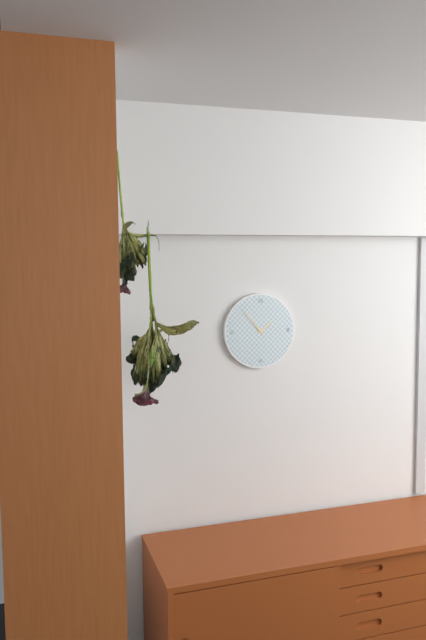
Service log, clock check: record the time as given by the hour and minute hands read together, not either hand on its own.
1:53
